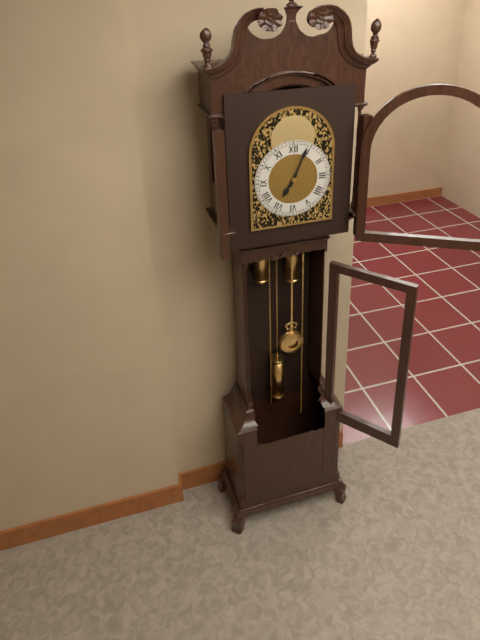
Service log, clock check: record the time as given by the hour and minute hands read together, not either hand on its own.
7:04
